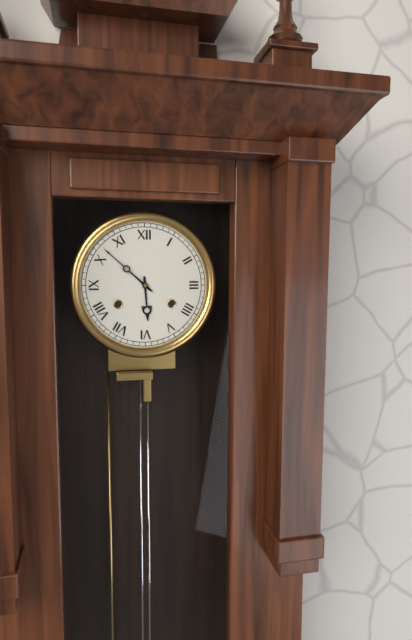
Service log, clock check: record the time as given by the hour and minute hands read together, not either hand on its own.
5:52
